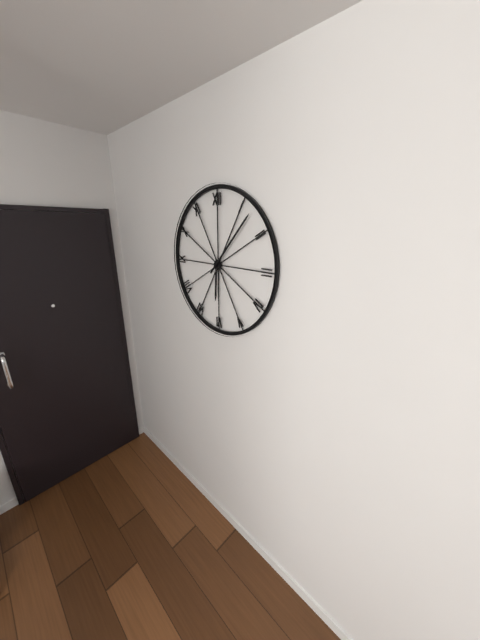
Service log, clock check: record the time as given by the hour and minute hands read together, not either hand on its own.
6:07
